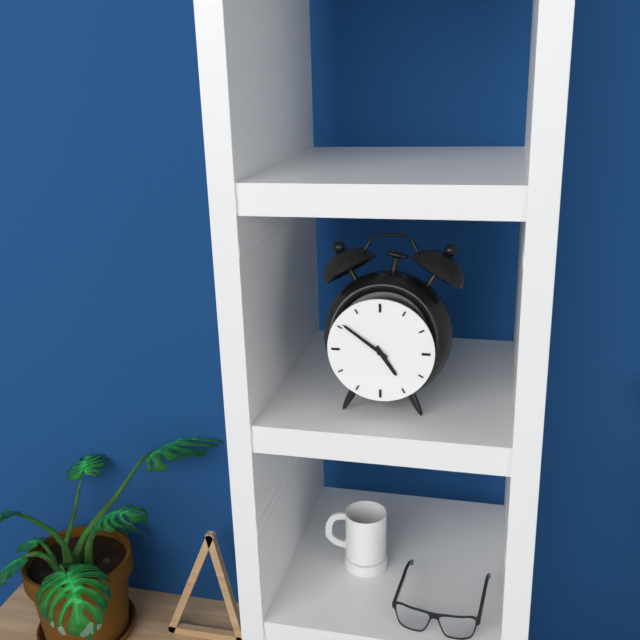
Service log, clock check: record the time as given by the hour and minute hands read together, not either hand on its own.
4:51
